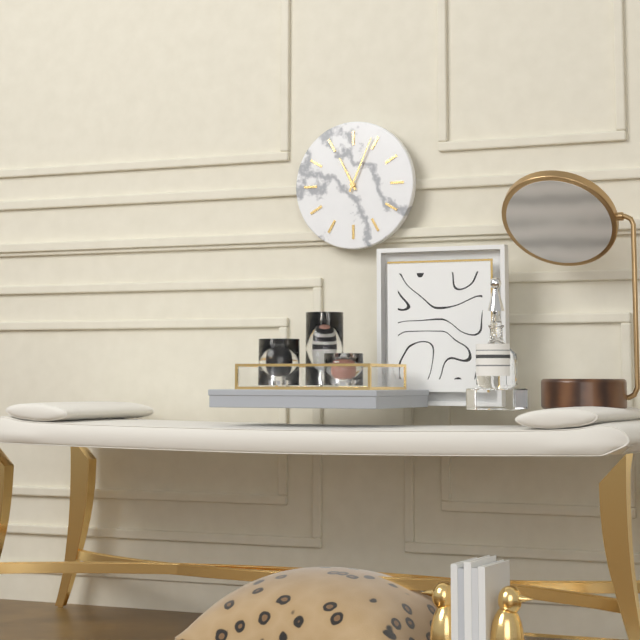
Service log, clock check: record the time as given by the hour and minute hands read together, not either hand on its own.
11:04
